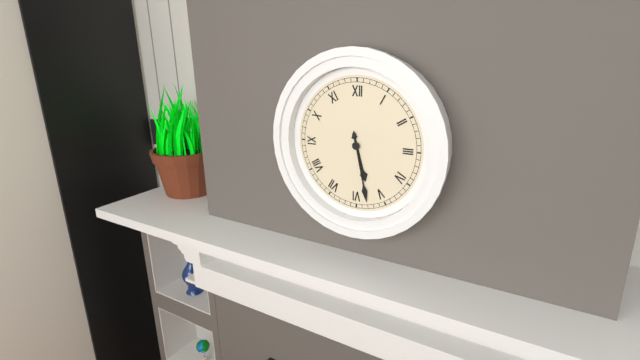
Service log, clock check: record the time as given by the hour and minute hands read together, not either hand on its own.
5:28
